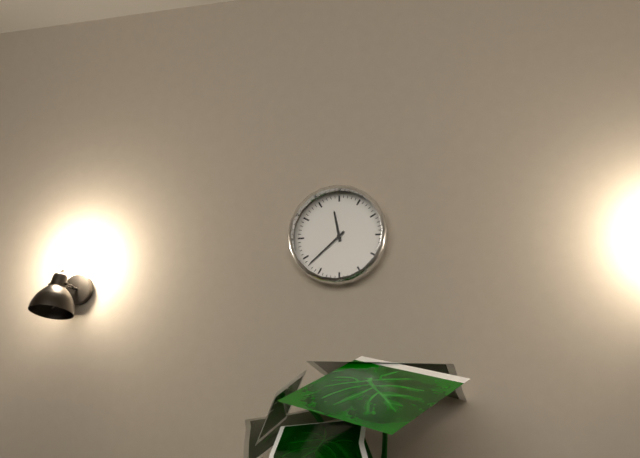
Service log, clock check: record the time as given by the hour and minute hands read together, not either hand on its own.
11:38
